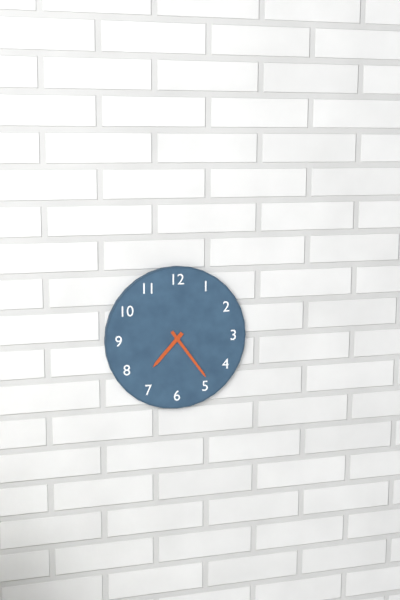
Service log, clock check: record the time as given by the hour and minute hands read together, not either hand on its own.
7:24
